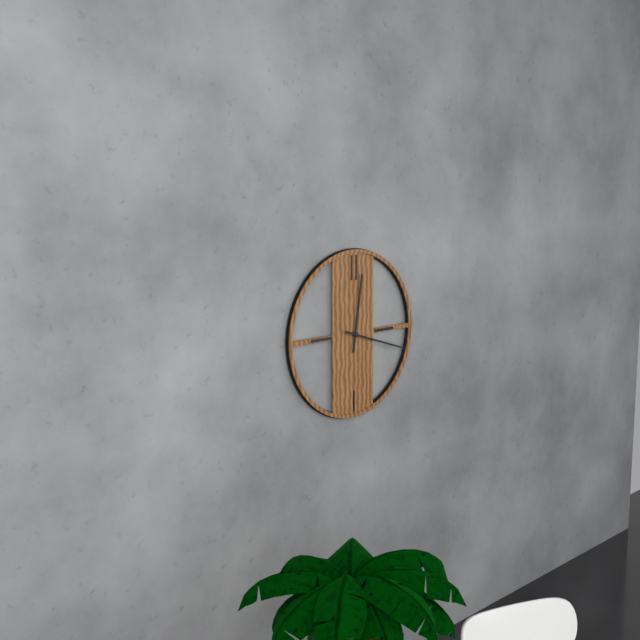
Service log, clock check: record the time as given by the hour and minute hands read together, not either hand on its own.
12:18
